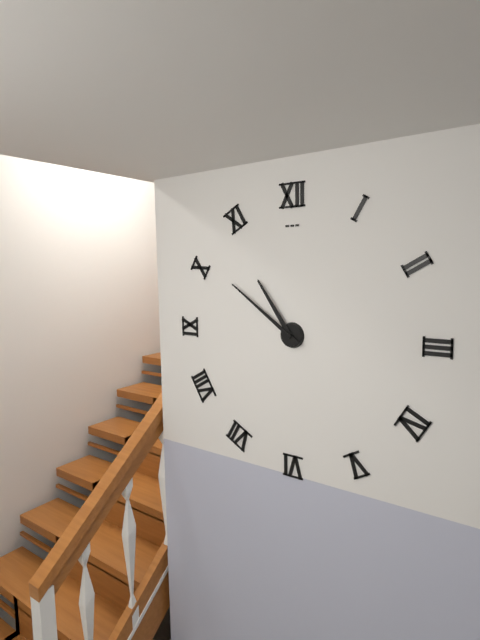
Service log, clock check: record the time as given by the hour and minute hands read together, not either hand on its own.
10:51
